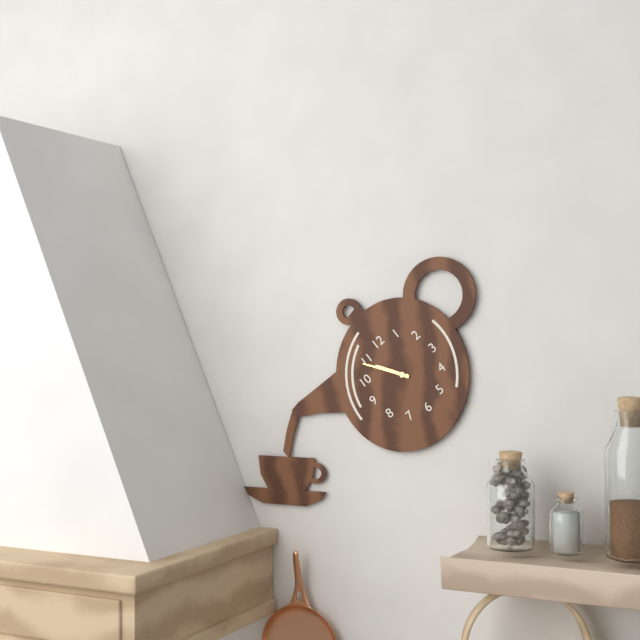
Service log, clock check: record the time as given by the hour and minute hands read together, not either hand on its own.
10:54
